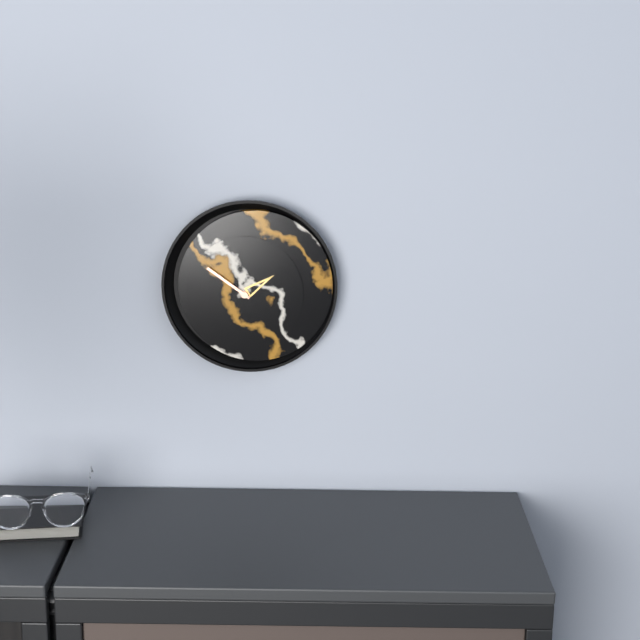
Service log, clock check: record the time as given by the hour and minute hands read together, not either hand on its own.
1:51
